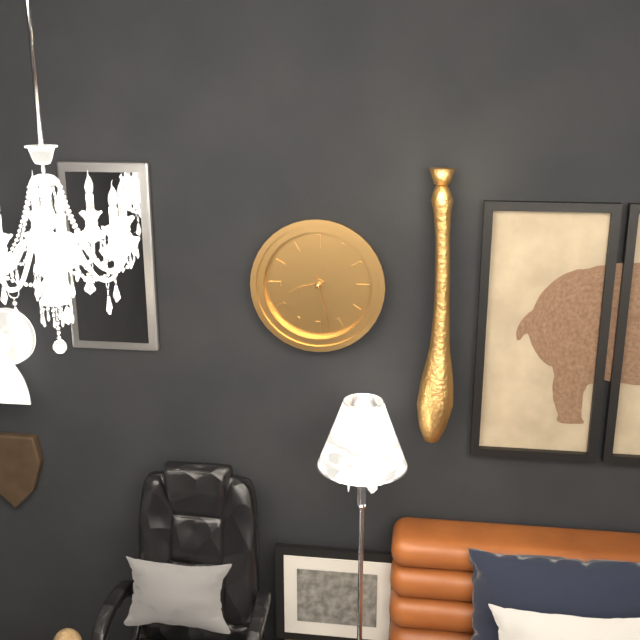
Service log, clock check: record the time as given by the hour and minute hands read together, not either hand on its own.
8:28
